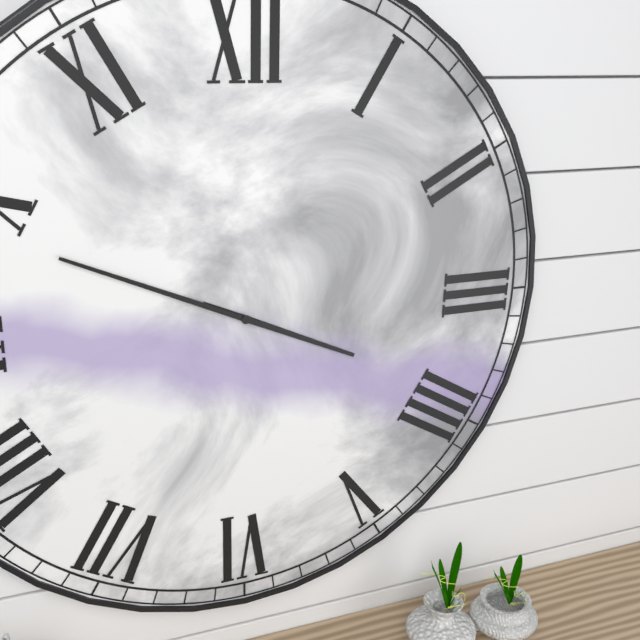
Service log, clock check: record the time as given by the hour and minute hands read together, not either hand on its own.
3:49
